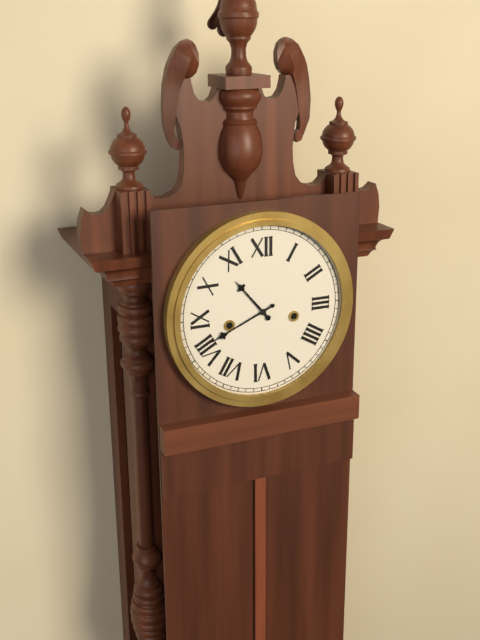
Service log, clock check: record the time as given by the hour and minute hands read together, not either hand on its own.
10:41
